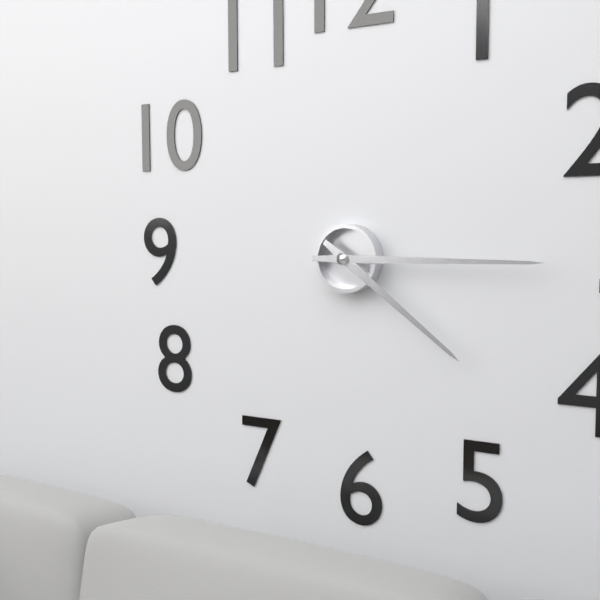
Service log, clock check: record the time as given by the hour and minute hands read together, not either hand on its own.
4:15
